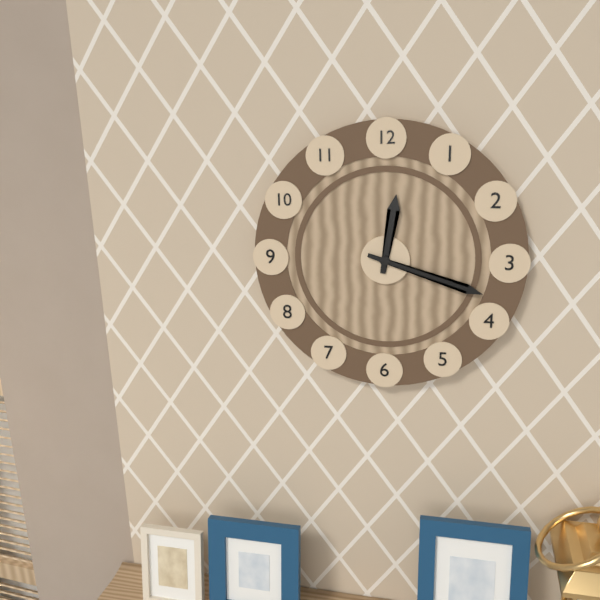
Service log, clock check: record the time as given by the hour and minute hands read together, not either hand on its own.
12:18
